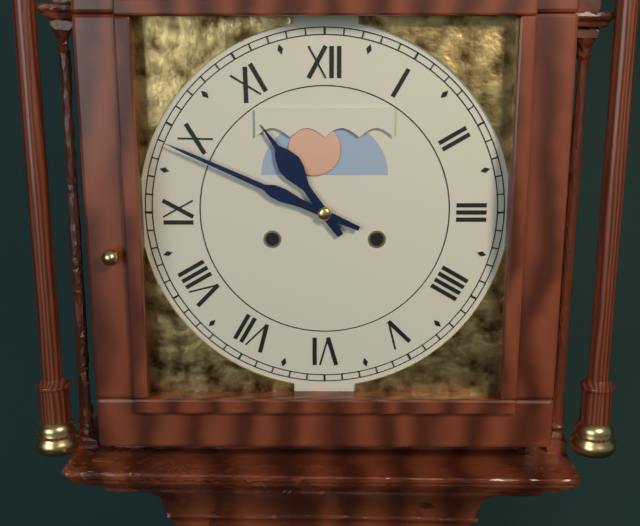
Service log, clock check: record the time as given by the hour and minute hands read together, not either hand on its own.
10:49
